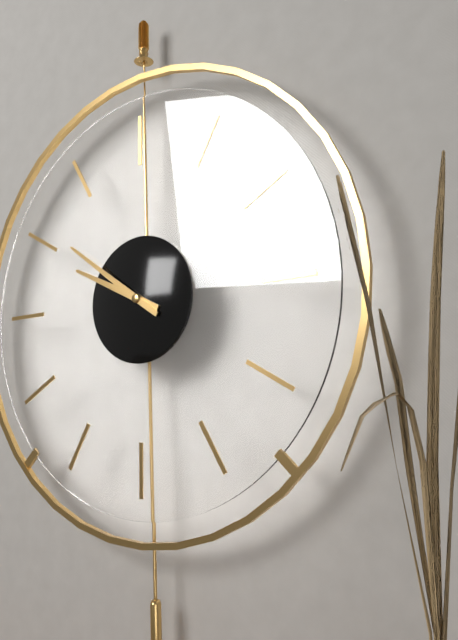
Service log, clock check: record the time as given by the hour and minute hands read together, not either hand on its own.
9:51
